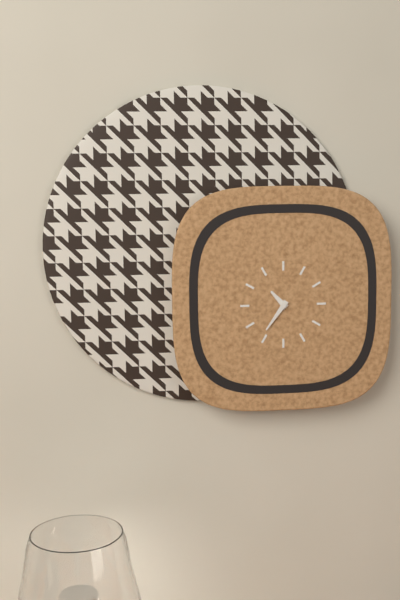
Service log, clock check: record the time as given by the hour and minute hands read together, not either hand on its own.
10:36
